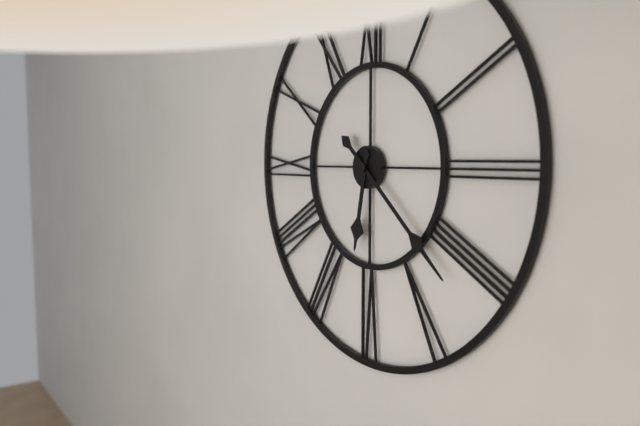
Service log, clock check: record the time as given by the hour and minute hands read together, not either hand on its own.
6:22
